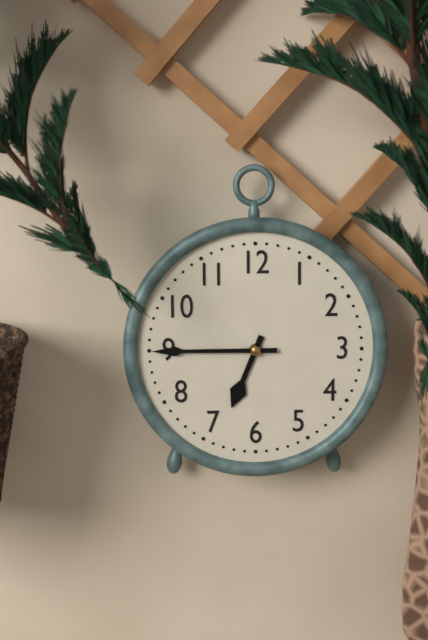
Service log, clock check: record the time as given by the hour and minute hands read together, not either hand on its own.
6:45
